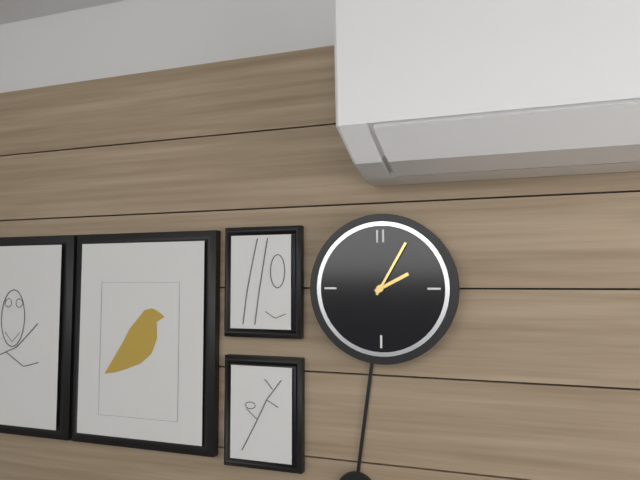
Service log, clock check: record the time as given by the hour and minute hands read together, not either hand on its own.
2:05
